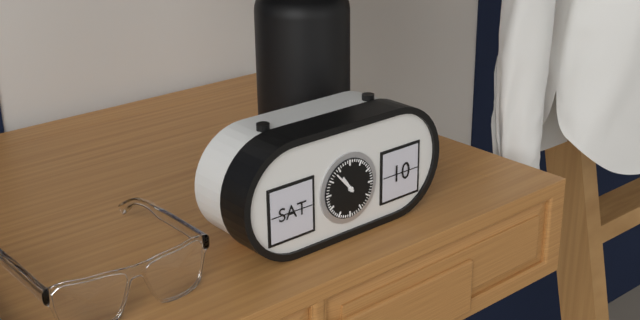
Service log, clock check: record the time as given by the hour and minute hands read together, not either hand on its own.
10:53
